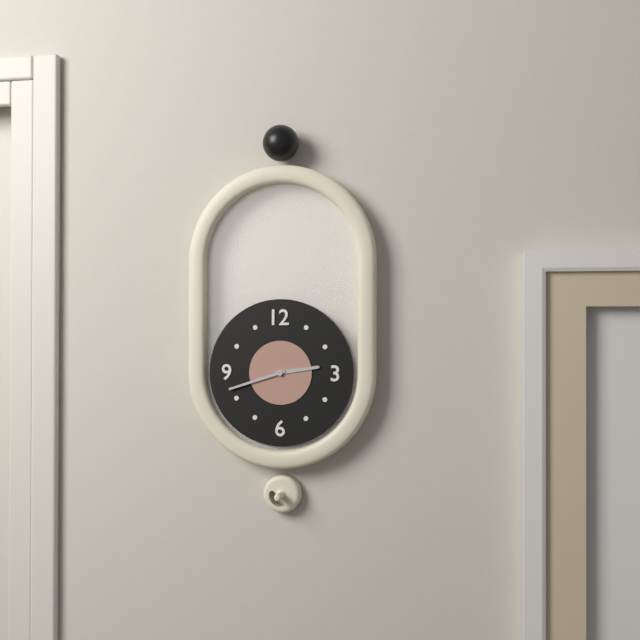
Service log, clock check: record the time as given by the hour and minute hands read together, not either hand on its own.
2:42
